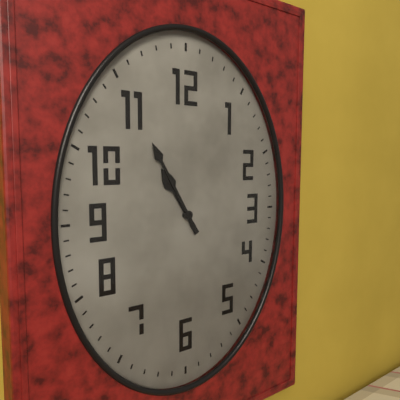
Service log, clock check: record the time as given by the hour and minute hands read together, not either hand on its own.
10:55
